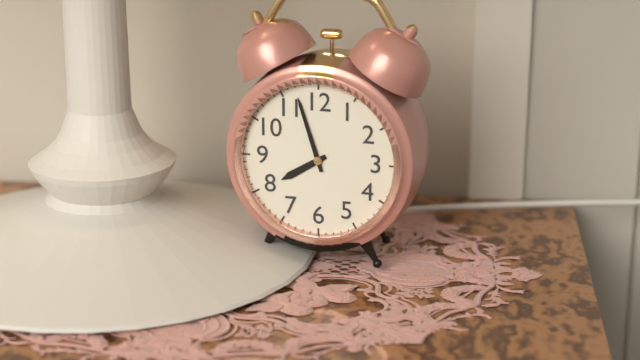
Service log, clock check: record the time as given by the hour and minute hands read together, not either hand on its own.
7:57
